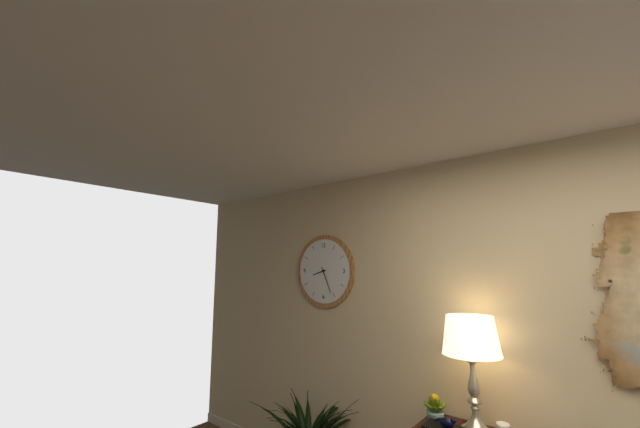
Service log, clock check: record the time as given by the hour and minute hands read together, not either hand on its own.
8:26
